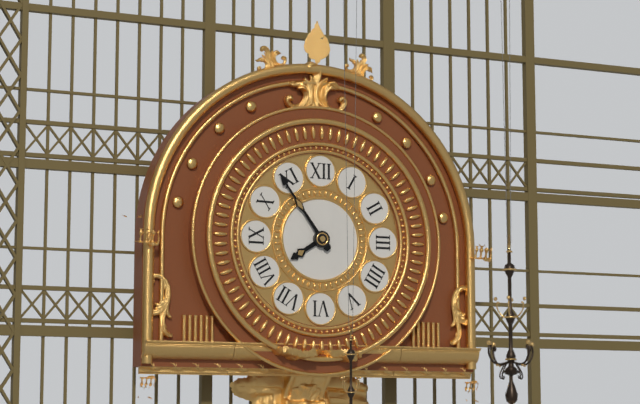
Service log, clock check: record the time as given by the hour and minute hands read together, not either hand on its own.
7:54
